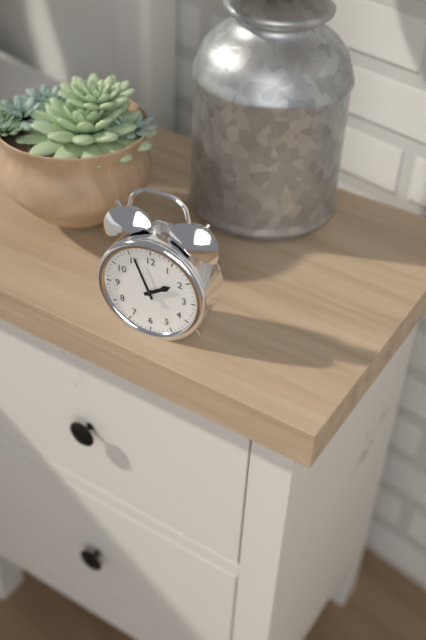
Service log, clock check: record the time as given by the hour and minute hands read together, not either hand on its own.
1:56
